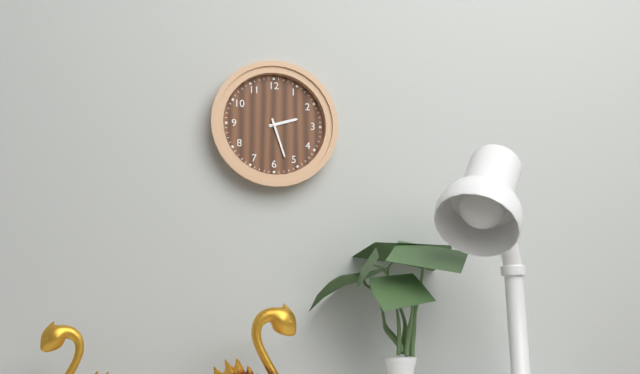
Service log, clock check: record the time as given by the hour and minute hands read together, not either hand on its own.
2:27
